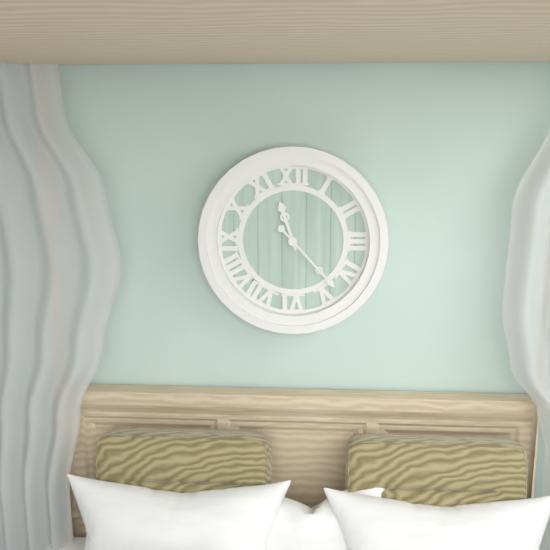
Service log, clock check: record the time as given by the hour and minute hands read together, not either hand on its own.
11:23
